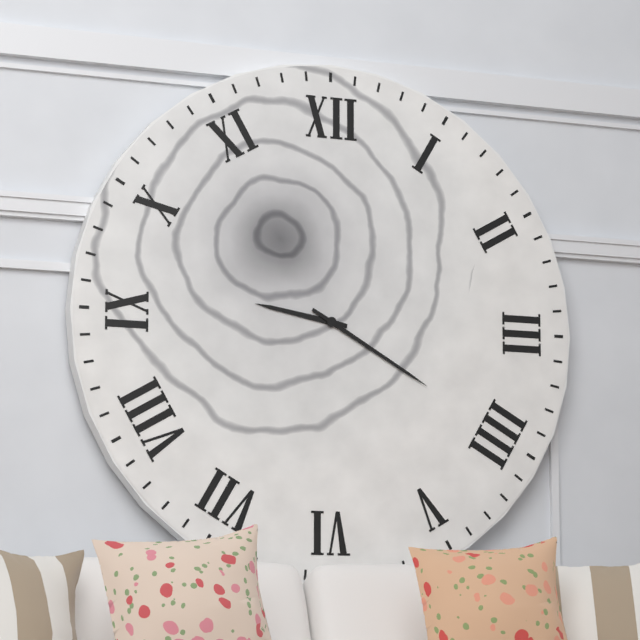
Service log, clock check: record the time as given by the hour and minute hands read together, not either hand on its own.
9:20
